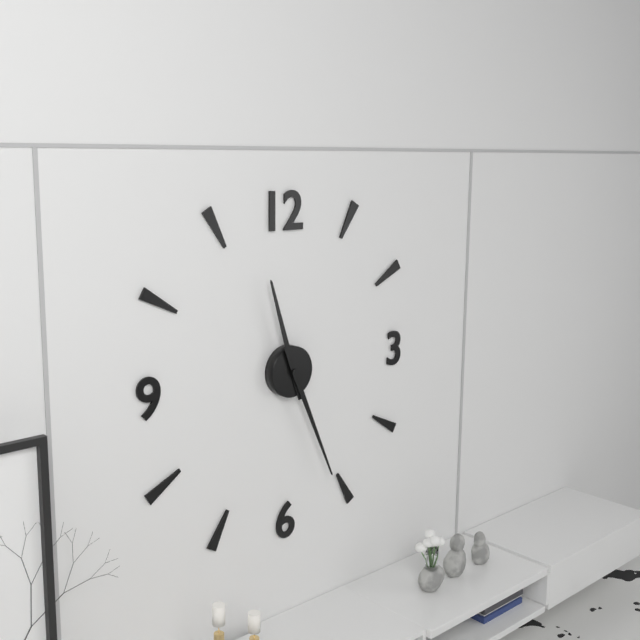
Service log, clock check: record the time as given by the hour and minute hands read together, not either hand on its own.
11:26
